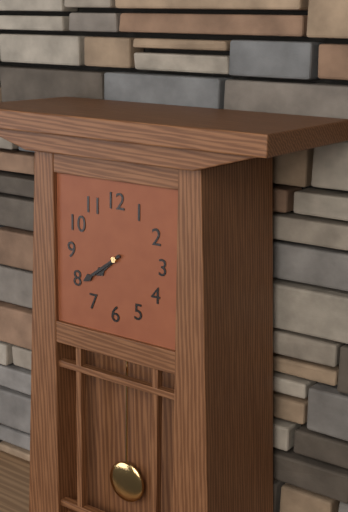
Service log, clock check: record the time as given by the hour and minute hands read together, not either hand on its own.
7:39
